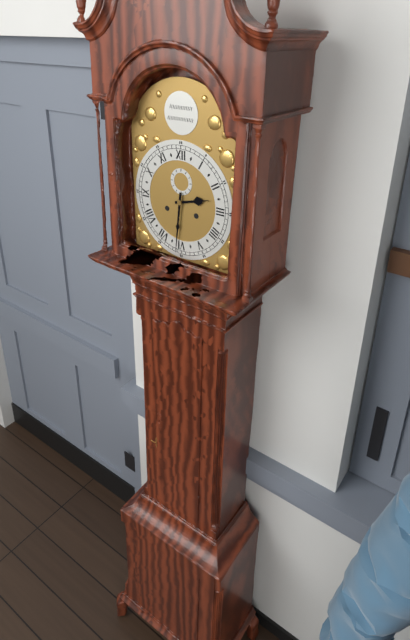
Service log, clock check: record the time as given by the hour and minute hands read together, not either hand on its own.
2:31
